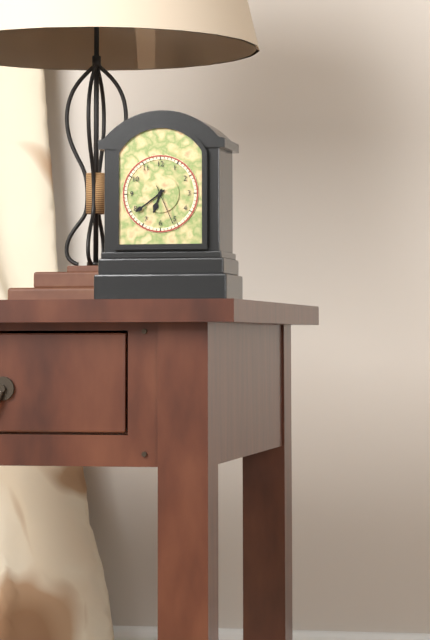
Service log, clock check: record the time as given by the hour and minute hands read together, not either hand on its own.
6:39
